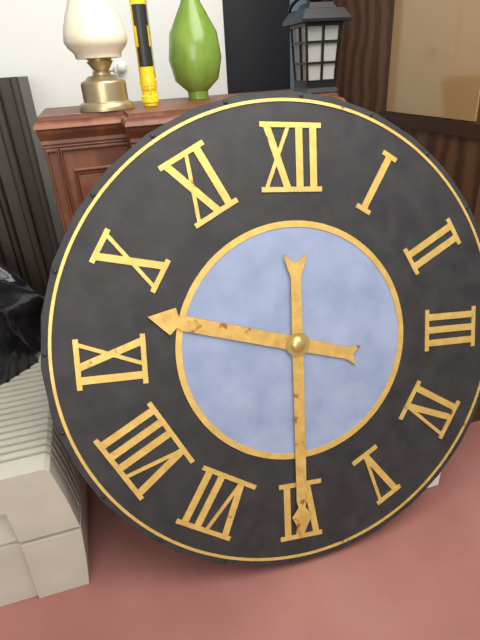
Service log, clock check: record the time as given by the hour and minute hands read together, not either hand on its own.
9:30
